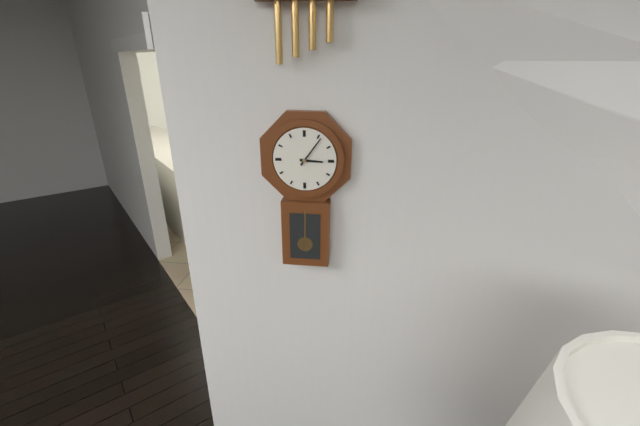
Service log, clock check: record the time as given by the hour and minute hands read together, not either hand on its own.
3:06
